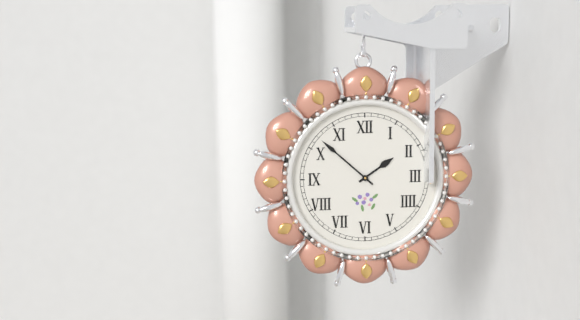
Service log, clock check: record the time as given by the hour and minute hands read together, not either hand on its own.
1:52
